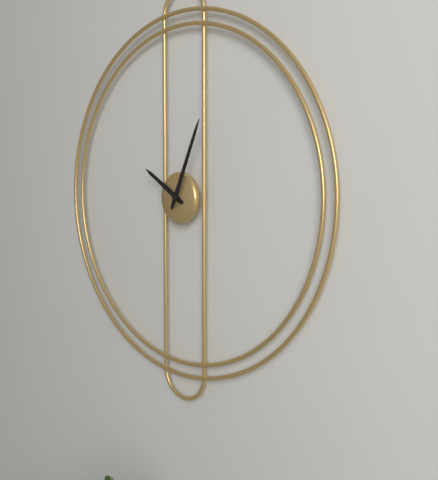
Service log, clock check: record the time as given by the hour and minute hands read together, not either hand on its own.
10:04
